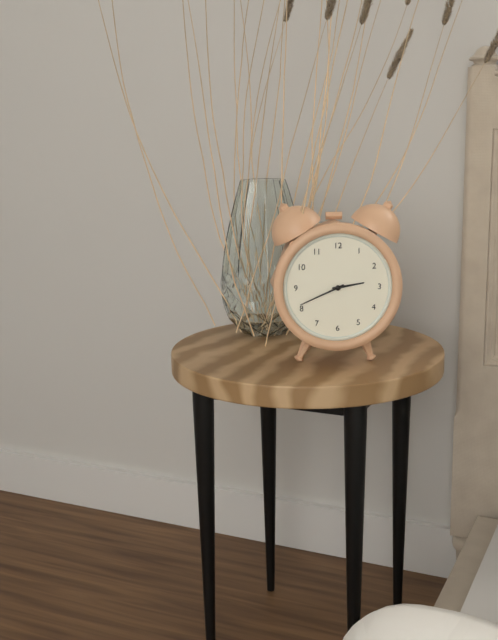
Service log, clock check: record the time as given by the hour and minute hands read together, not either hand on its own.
2:41
